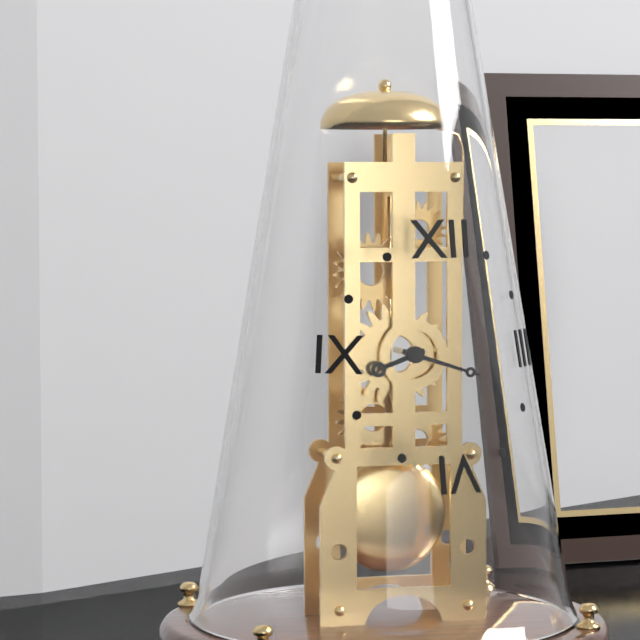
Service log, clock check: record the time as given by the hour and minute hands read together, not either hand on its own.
8:18
